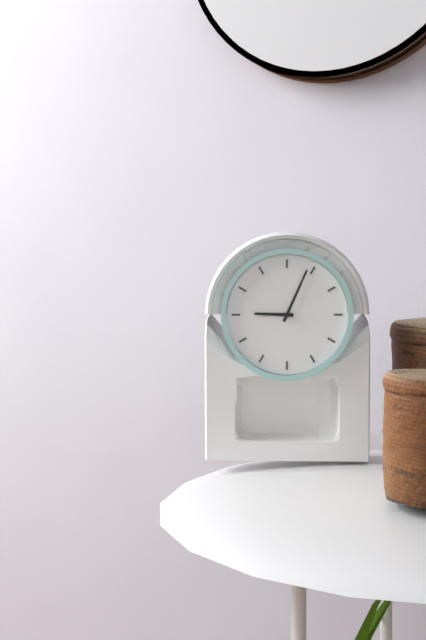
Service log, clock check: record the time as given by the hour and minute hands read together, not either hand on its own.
9:04
